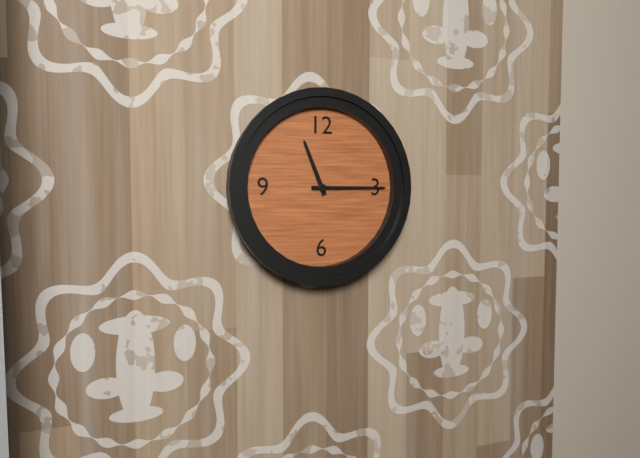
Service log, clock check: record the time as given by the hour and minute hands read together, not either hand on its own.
11:15
